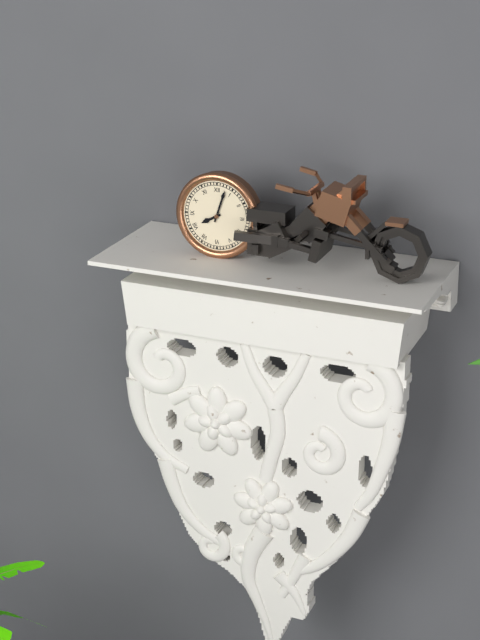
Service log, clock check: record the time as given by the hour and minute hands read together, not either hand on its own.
8:03
